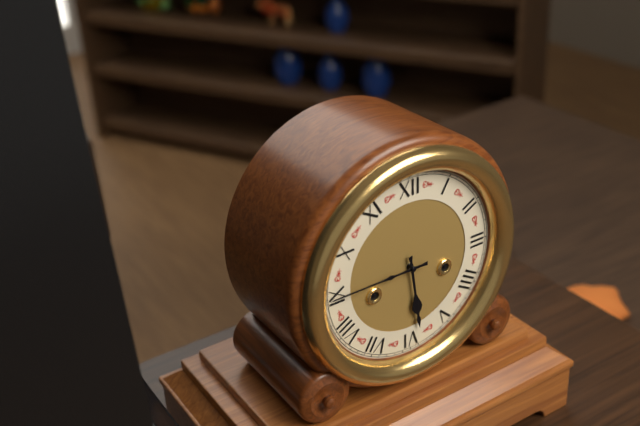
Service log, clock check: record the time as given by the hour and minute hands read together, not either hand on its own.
5:45
